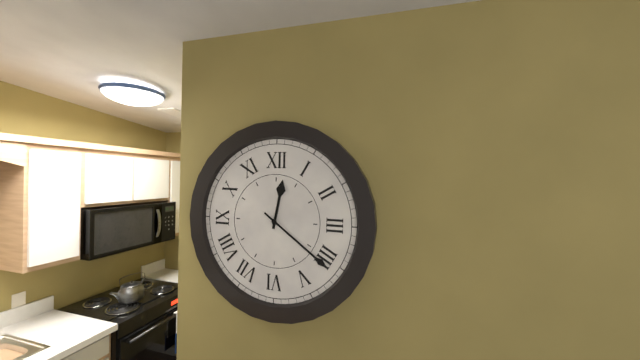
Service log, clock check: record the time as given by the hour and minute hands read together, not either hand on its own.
12:21
